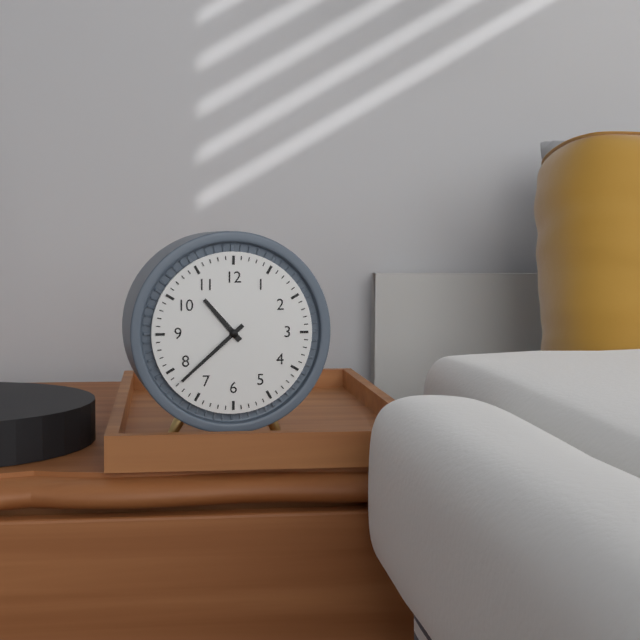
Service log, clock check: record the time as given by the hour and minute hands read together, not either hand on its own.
10:38
